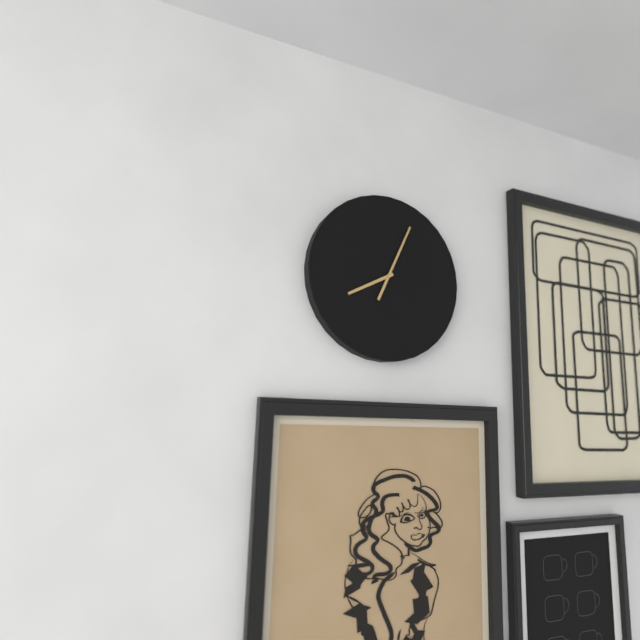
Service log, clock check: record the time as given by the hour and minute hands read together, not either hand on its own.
8:04
